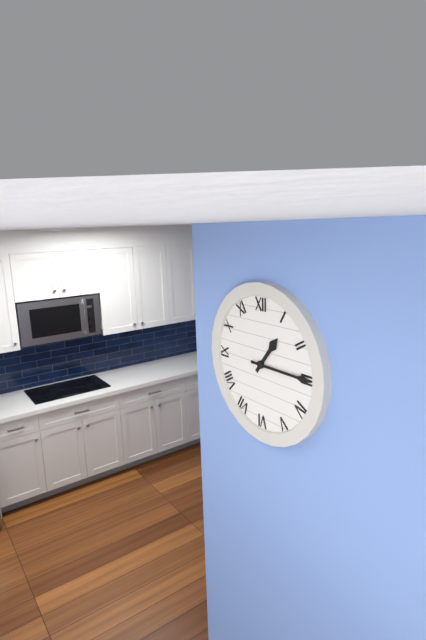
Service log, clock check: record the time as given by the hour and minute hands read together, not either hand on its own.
1:15
